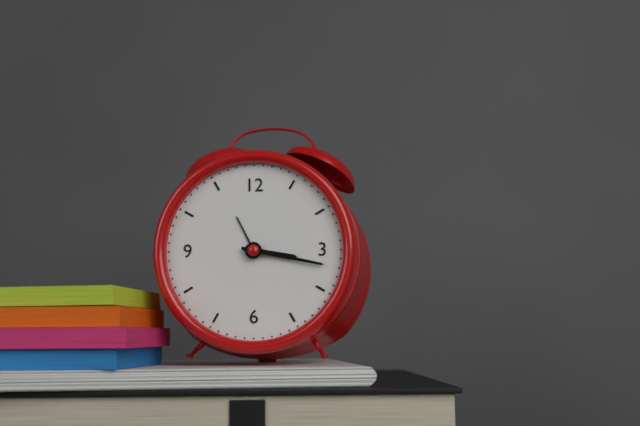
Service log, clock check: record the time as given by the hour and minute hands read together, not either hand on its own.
3:17
